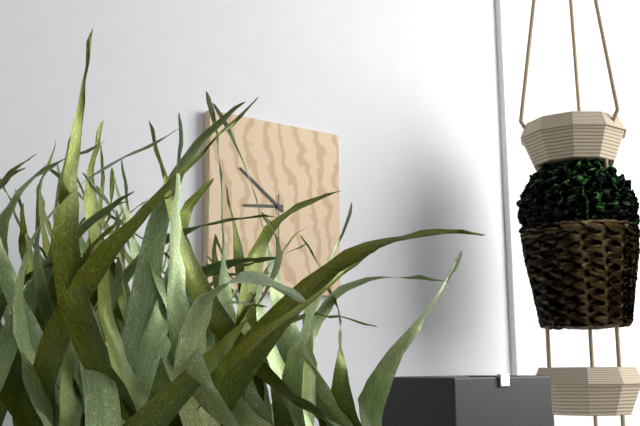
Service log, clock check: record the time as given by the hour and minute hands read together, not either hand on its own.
8:51
